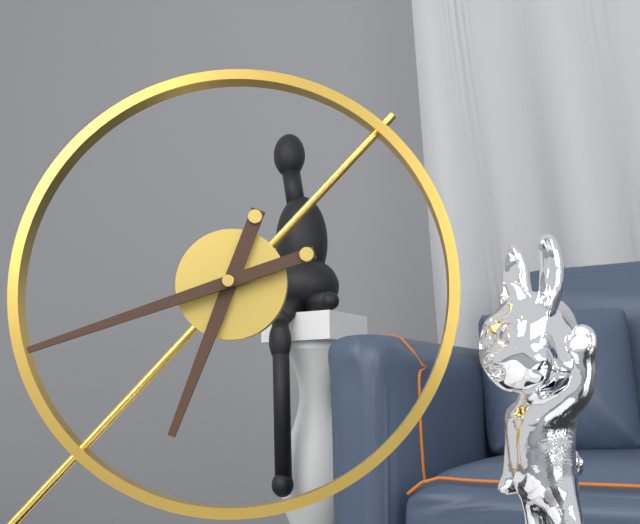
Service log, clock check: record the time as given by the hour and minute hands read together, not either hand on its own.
6:42
